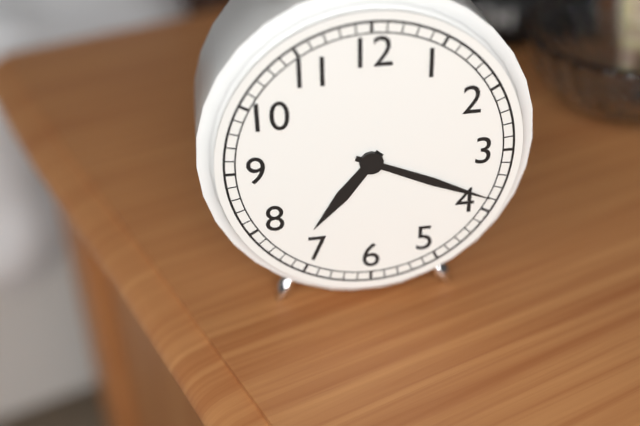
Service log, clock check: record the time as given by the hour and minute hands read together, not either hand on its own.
7:19
